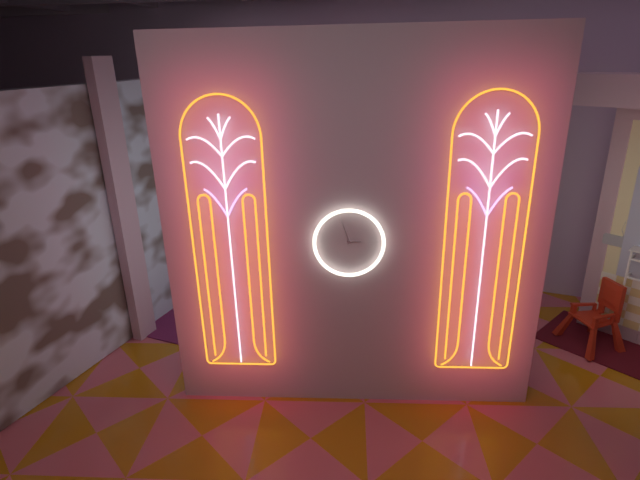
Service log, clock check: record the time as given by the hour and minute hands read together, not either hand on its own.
2:57
